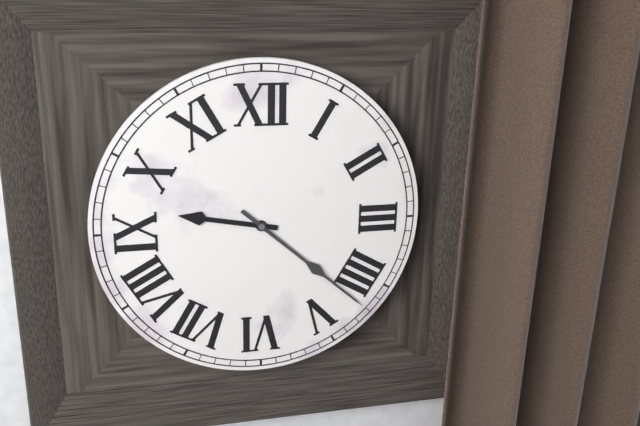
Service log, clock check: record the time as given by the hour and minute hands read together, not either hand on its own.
9:22
